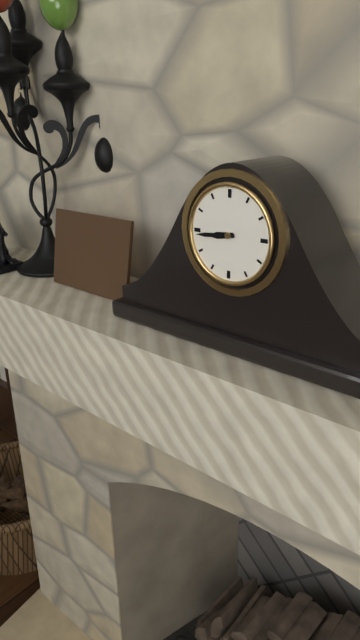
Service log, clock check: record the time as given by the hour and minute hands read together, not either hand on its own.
8:44
